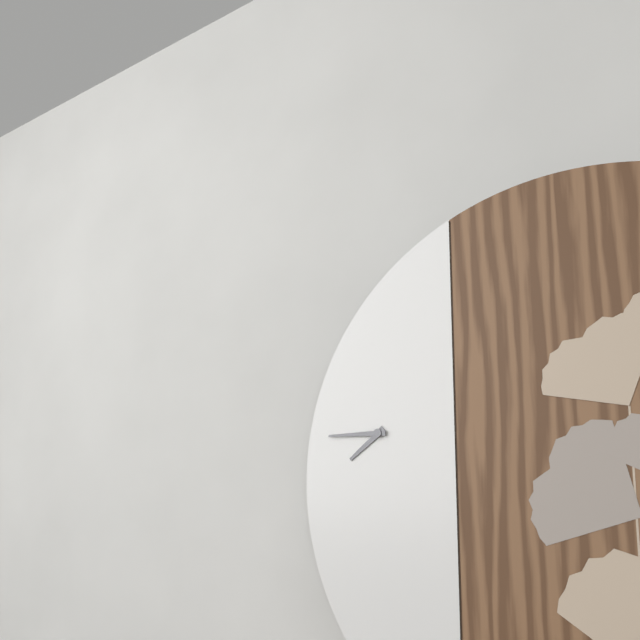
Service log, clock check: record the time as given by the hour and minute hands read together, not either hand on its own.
7:45
